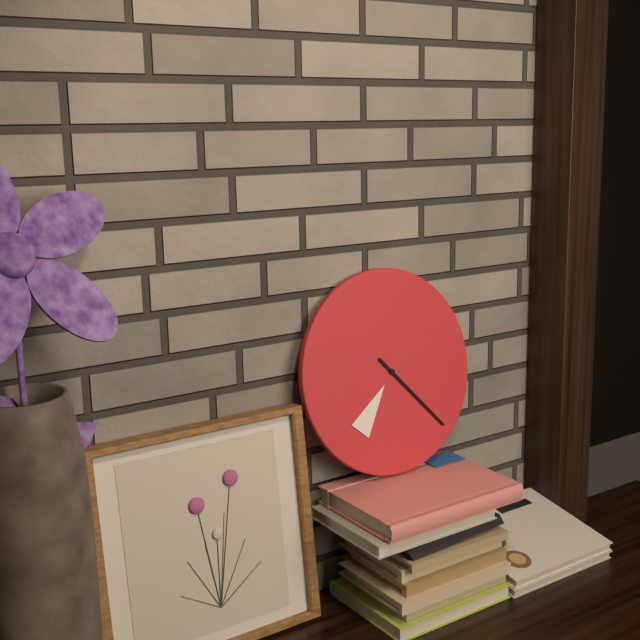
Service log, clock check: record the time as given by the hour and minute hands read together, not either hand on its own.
7:23
